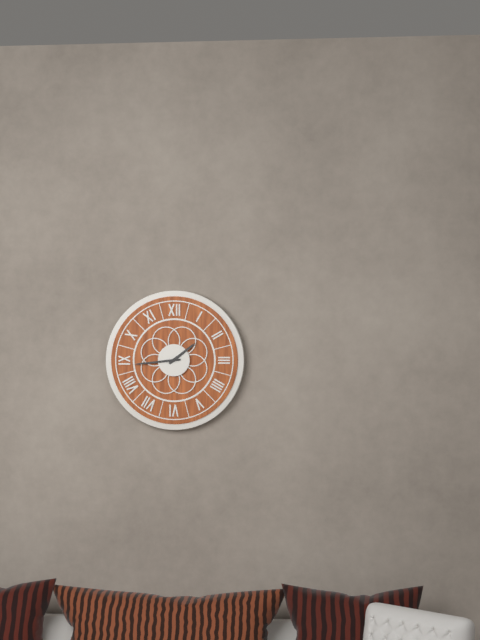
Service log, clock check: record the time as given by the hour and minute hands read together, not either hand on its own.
1:44
